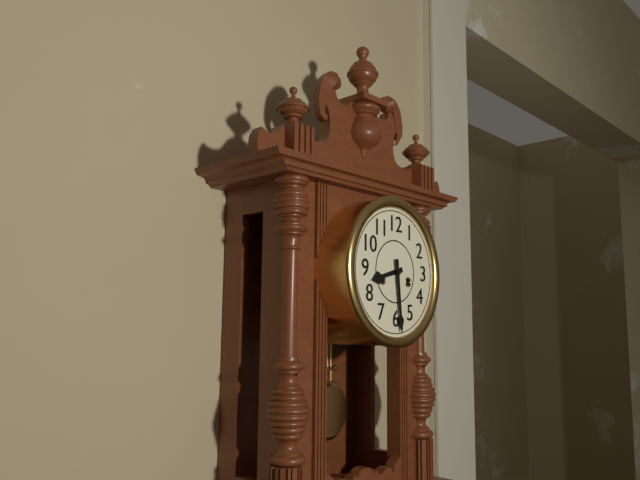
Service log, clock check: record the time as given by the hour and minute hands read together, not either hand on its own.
8:29
